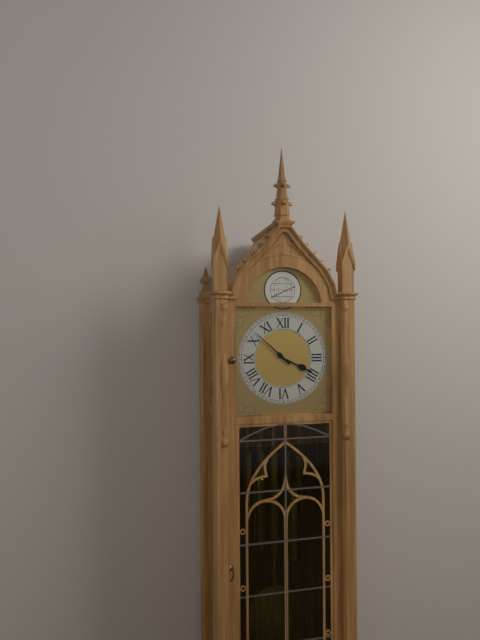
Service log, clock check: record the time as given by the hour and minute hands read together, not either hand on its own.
3:52
